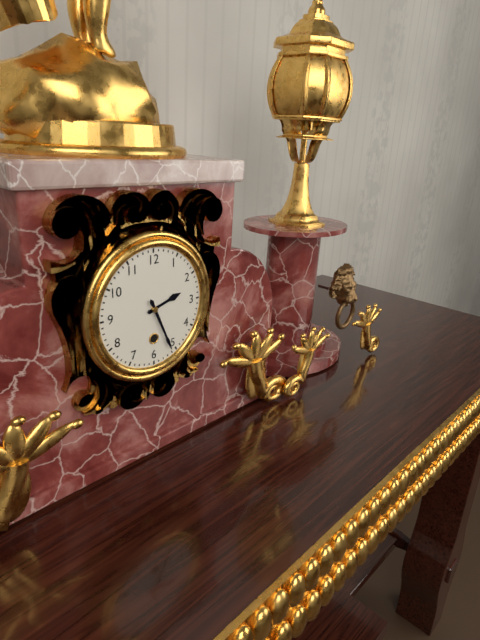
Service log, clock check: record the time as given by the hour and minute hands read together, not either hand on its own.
2:26
